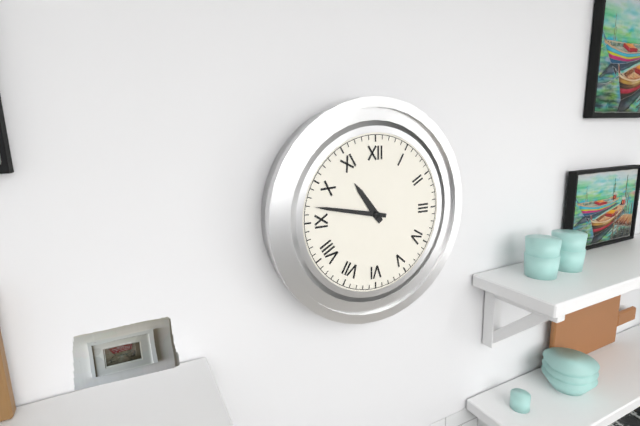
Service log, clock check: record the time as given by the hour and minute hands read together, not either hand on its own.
10:47
